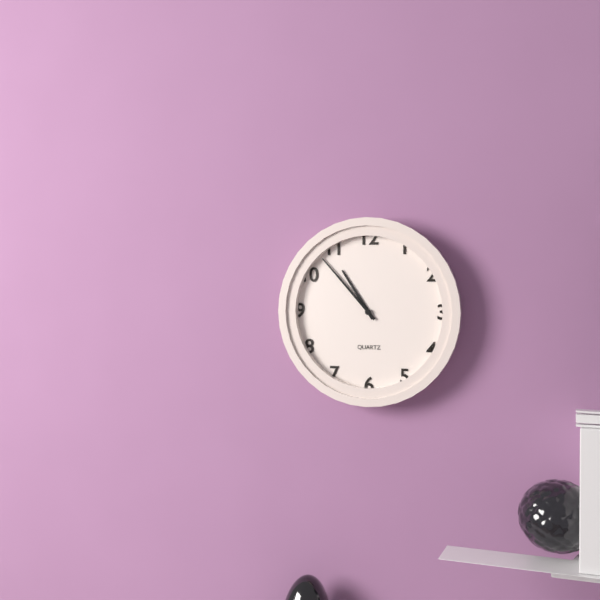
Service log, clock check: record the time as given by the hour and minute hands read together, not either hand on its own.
10:53
